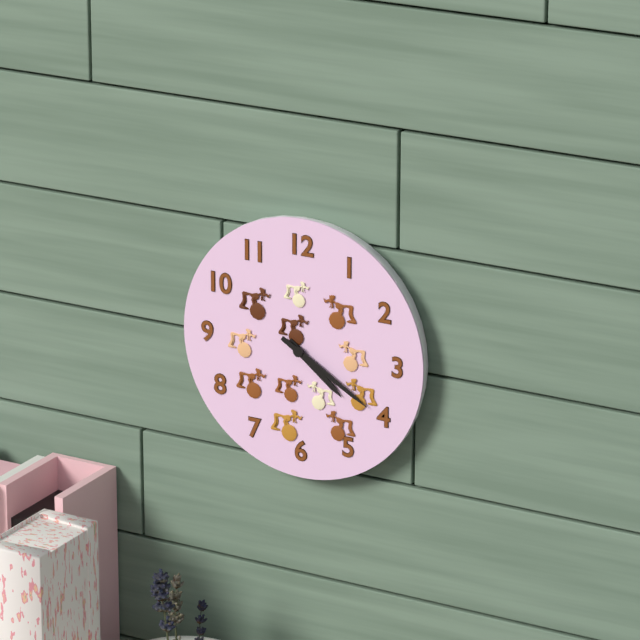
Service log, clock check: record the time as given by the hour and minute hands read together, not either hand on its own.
4:20
